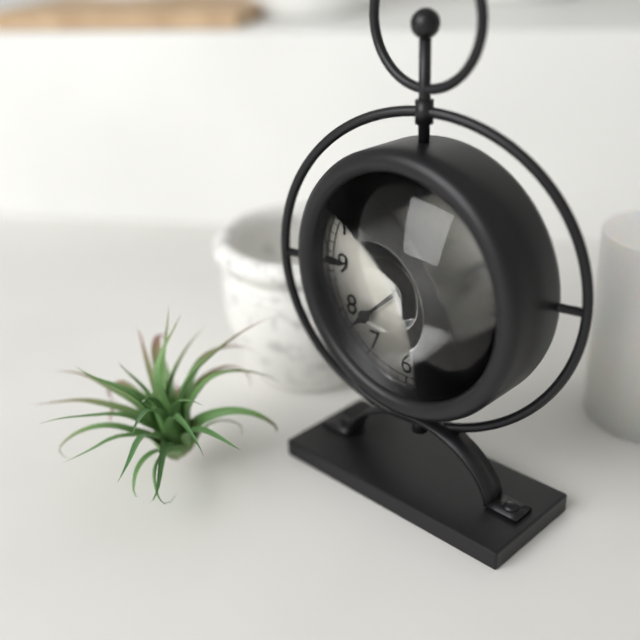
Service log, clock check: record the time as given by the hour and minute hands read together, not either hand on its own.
1:38
